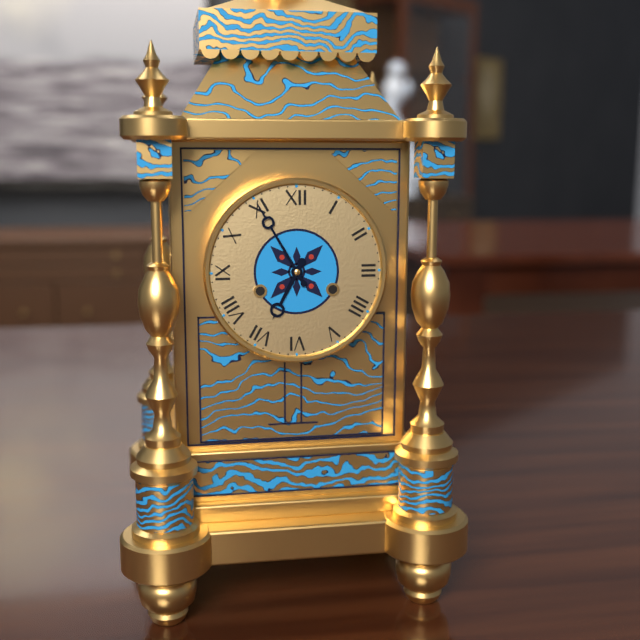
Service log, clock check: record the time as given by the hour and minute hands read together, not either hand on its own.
6:55
